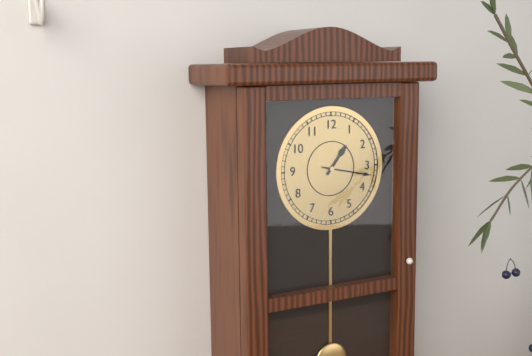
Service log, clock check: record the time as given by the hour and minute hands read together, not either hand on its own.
1:17
